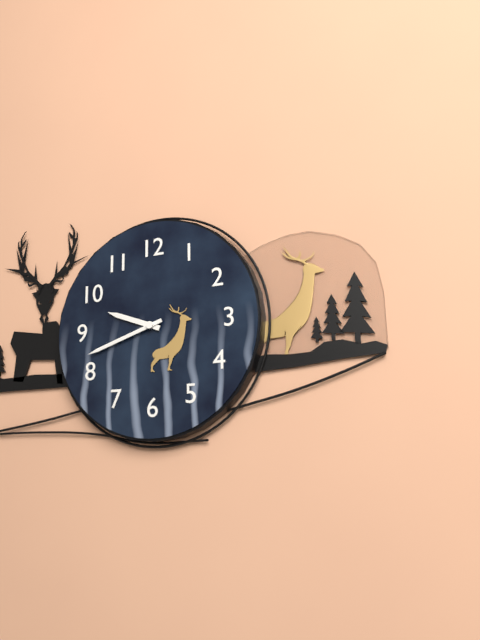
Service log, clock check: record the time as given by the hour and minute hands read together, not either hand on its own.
9:42
